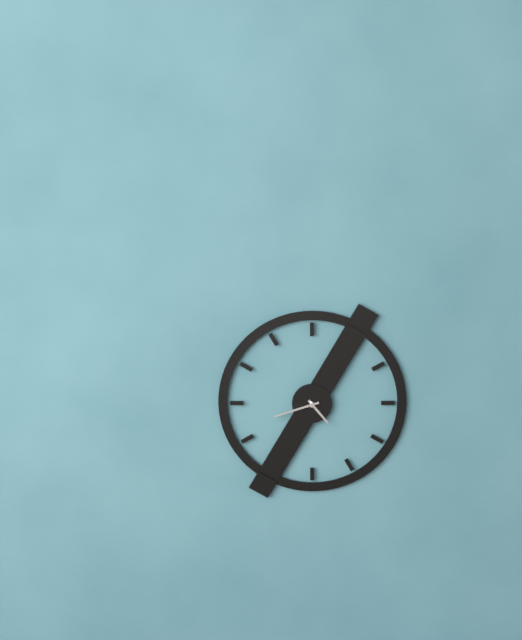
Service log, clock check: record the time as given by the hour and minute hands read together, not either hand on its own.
4:42
